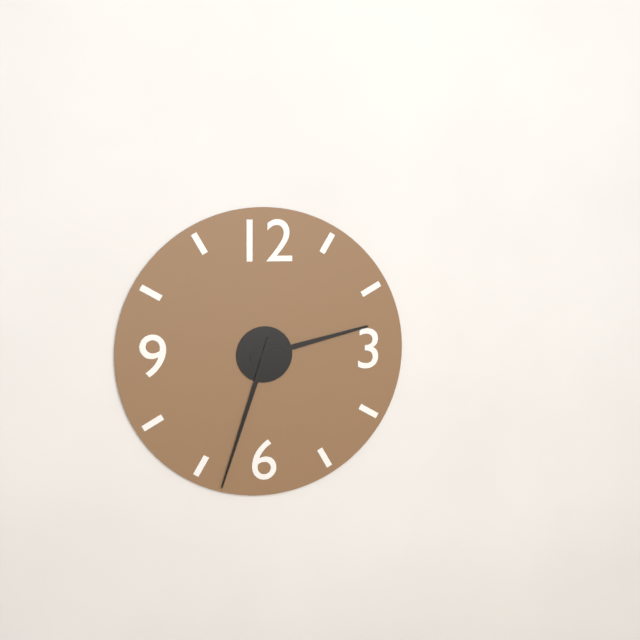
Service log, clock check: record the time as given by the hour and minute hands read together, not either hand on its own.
2:33
